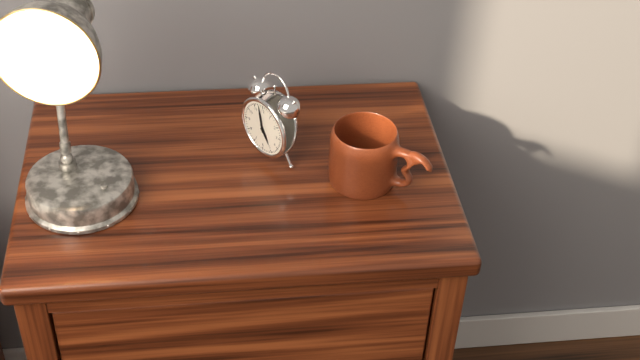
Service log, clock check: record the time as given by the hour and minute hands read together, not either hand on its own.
4:58
